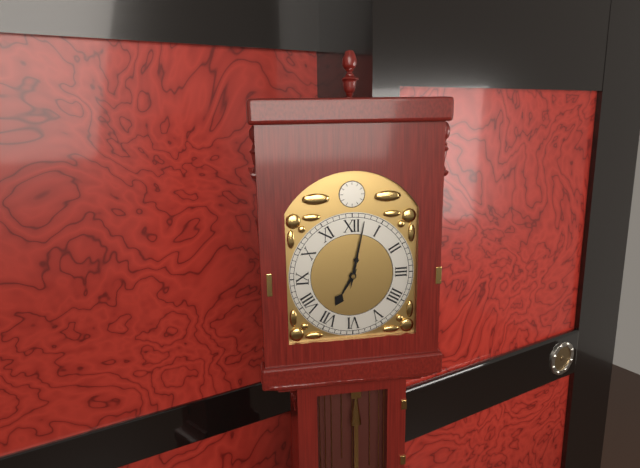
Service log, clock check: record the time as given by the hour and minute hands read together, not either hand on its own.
7:02
